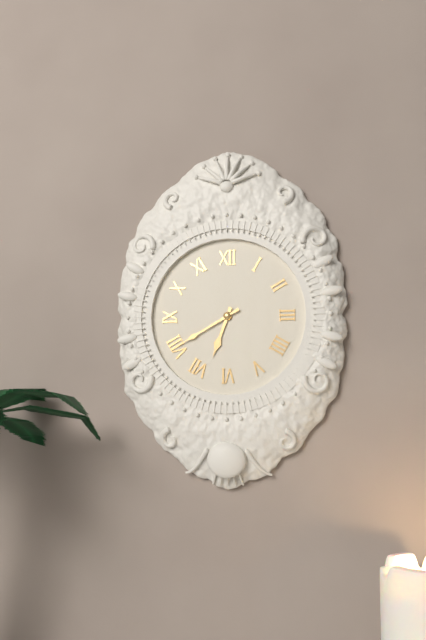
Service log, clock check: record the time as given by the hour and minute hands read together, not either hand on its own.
6:40
